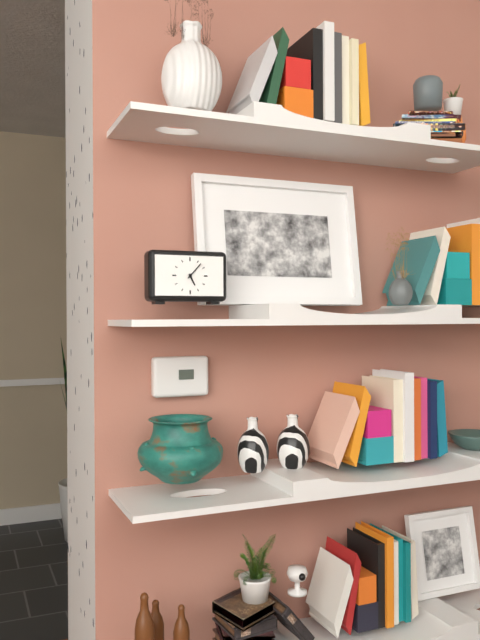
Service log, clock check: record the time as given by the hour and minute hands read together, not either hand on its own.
5:07
